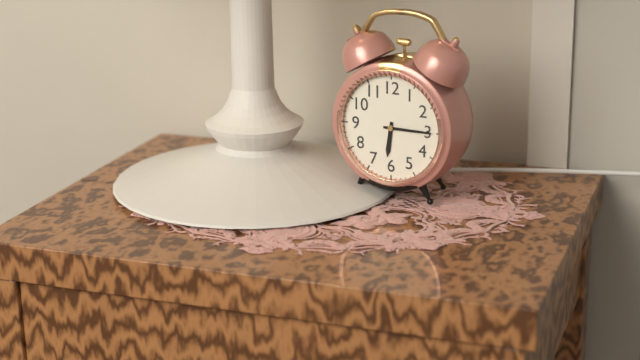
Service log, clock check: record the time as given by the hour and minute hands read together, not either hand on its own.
6:15
